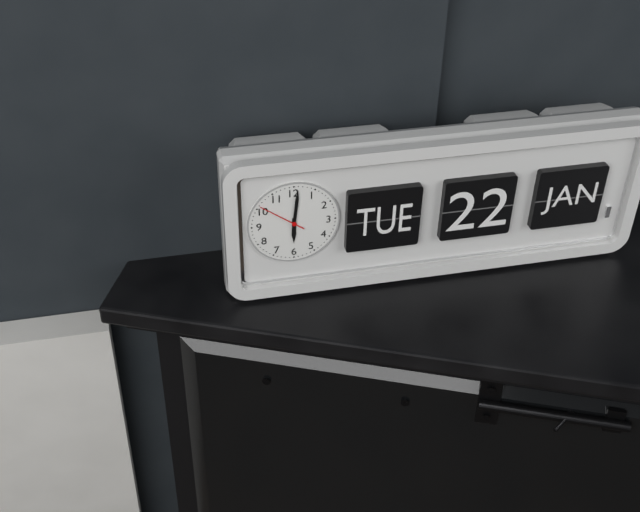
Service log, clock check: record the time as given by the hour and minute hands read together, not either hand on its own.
6:01
